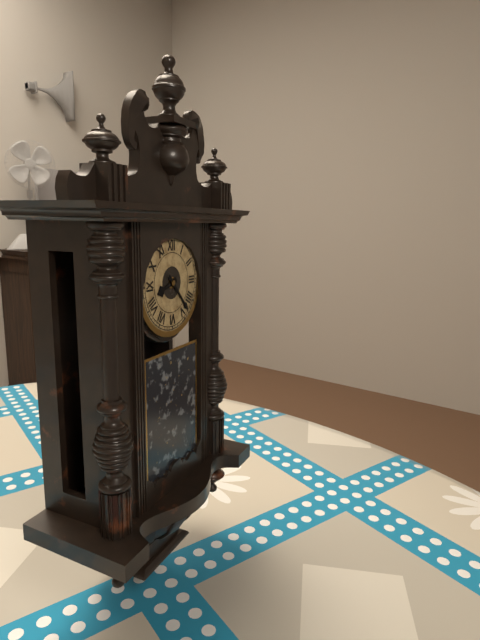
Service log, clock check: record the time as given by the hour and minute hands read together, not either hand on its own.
8:23
